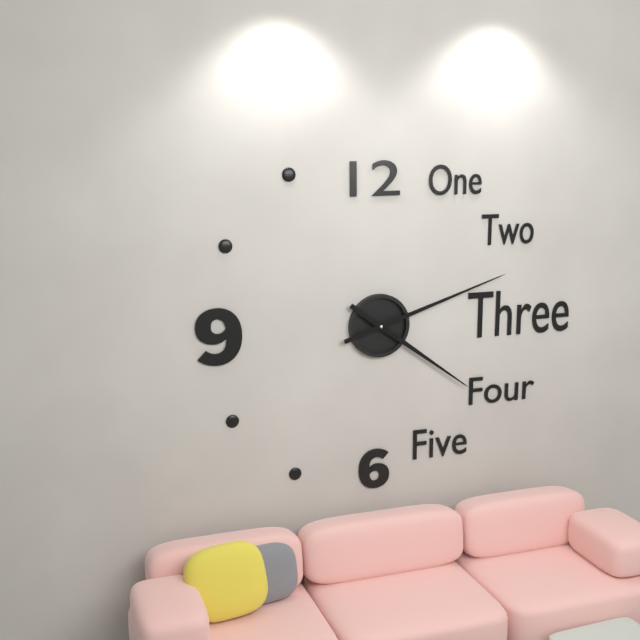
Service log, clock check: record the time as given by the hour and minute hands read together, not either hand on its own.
4:12
